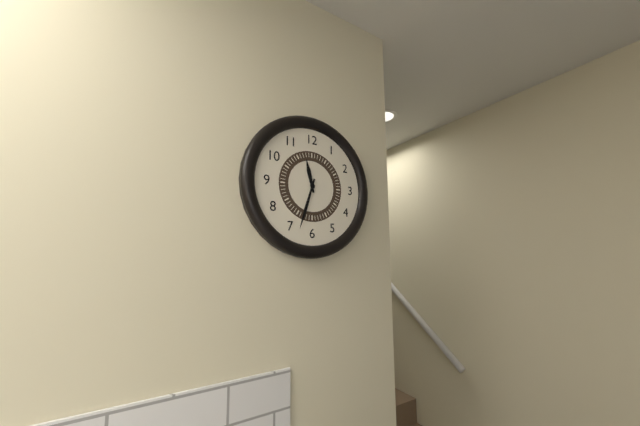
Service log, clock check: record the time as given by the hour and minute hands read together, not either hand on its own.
11:33
